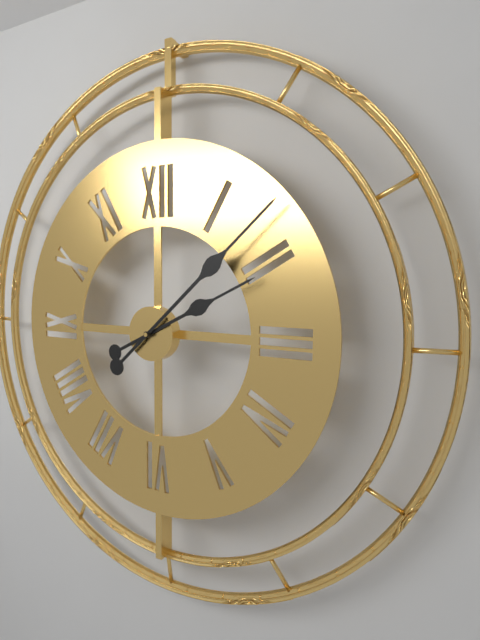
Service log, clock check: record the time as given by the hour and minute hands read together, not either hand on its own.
2:08
